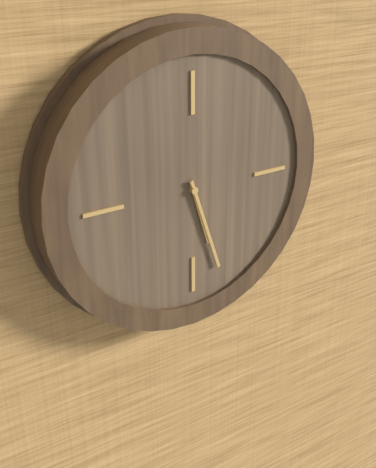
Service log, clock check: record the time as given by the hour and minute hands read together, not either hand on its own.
5:27
